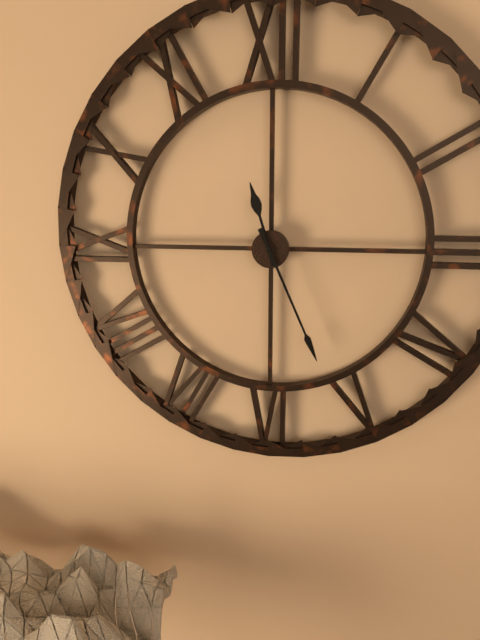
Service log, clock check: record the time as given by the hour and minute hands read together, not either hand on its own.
11:26
